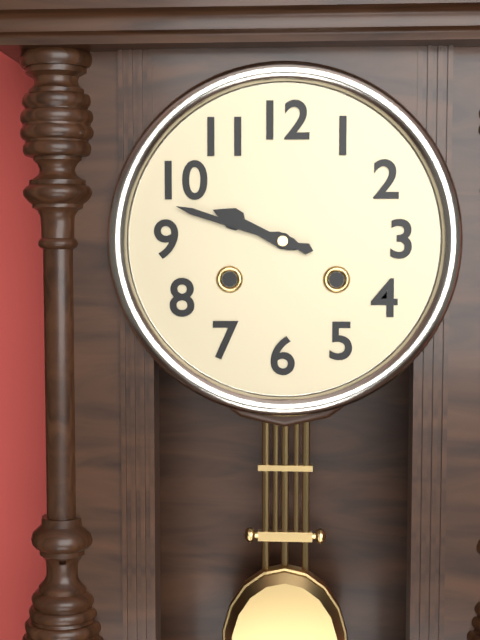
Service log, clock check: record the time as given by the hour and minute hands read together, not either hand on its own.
9:48
